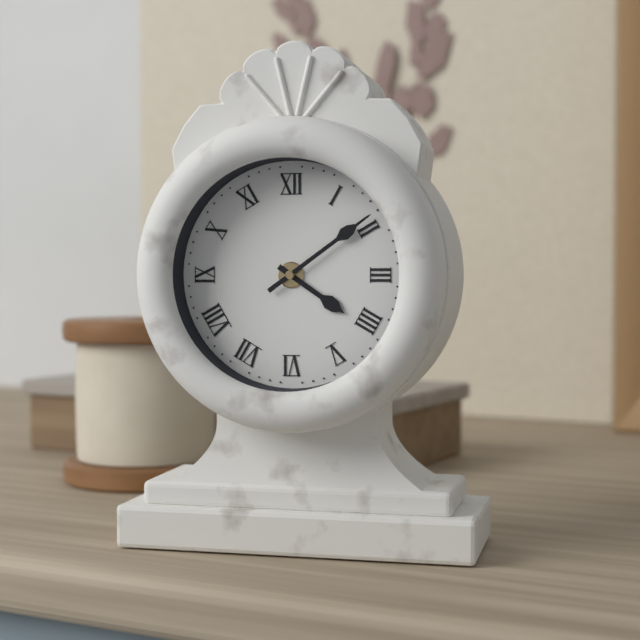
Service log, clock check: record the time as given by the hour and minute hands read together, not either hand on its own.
4:09
